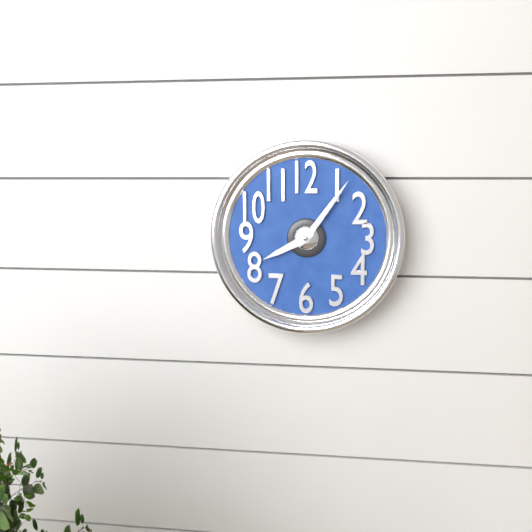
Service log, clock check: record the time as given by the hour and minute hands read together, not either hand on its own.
8:06
